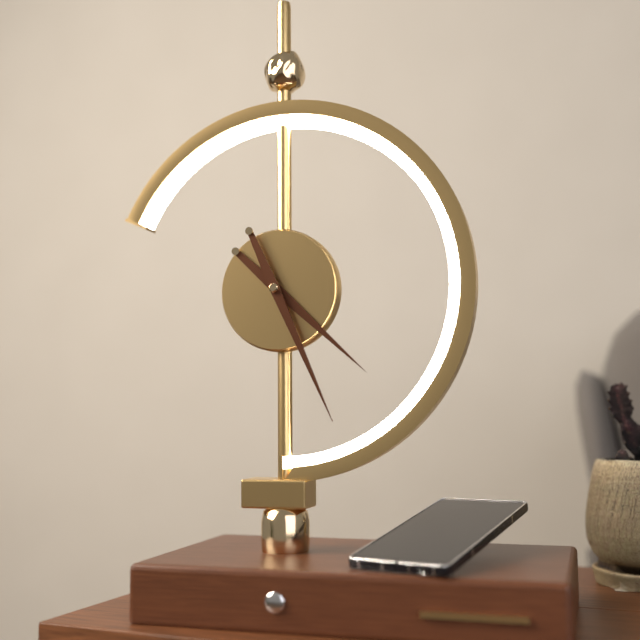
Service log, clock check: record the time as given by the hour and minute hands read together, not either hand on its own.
4:26
